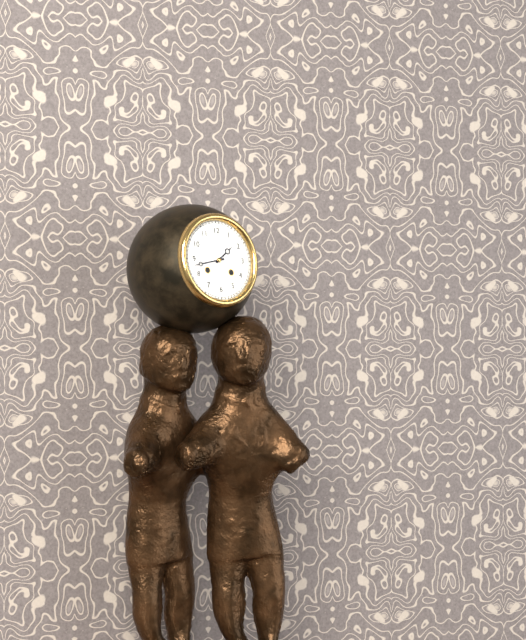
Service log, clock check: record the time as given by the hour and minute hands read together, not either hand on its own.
1:43
